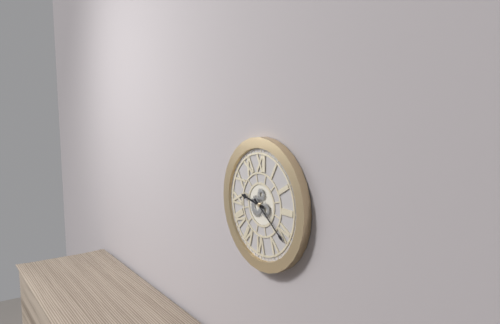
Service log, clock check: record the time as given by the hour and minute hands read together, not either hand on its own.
9:21
